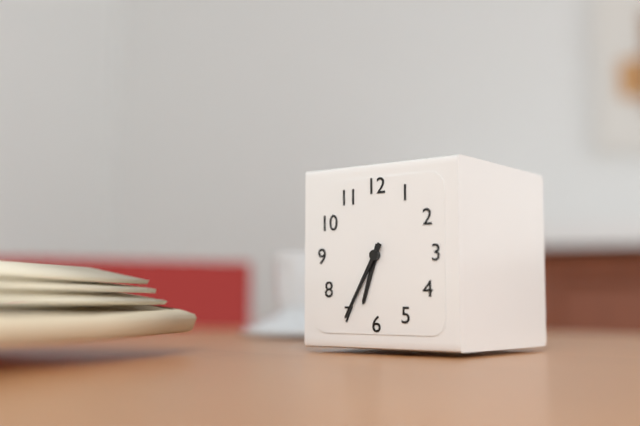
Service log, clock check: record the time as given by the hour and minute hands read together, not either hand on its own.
6:35
